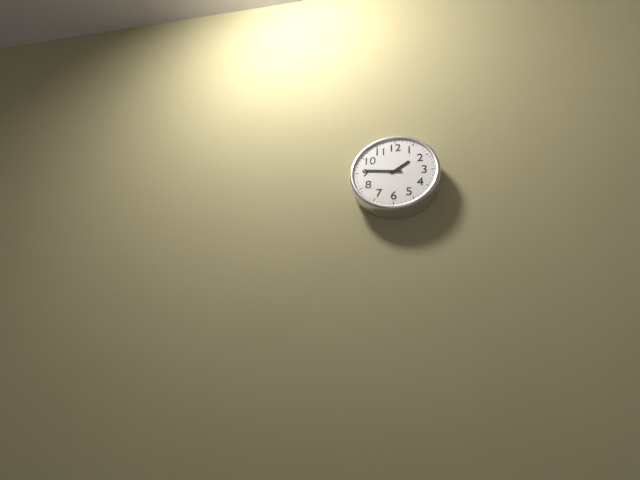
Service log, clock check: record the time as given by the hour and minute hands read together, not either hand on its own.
1:46
